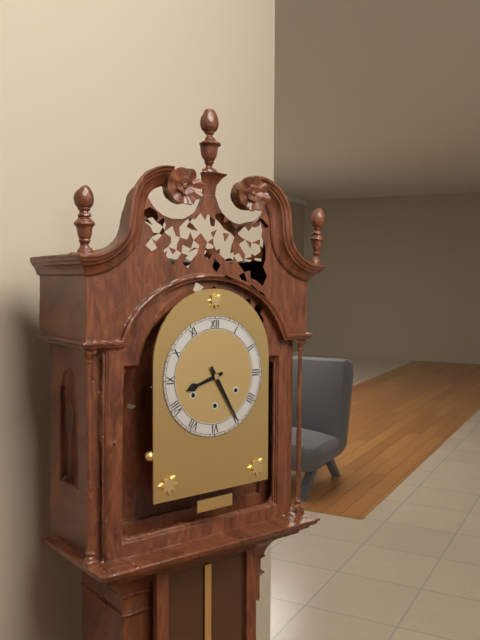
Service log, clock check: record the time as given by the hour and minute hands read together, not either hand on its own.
8:25
